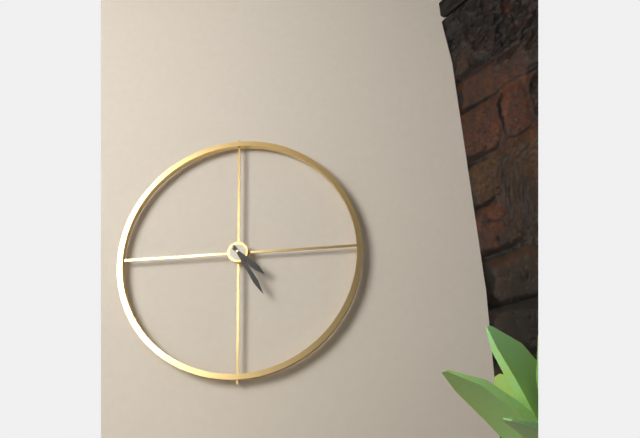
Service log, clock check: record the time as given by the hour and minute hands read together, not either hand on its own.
4:25
